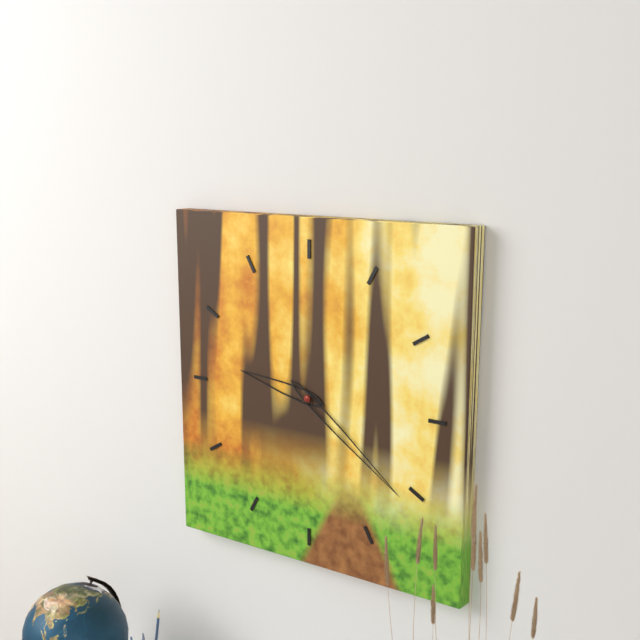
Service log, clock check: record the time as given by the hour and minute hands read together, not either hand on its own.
9:21
